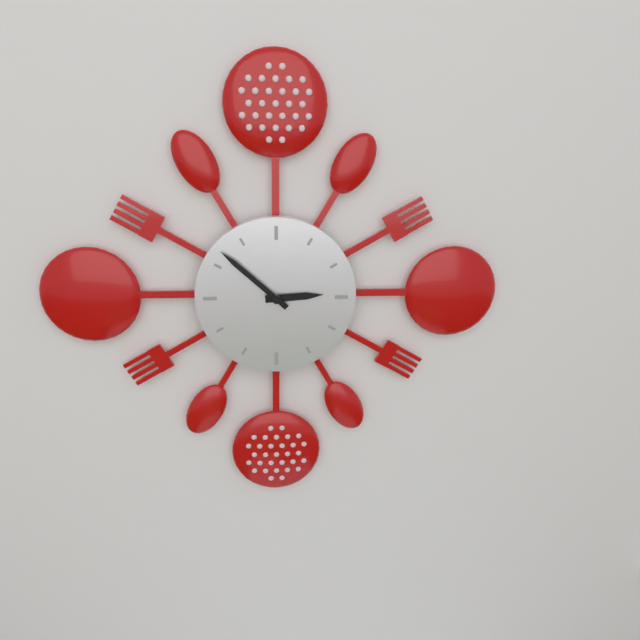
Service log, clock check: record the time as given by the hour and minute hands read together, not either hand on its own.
2:52
